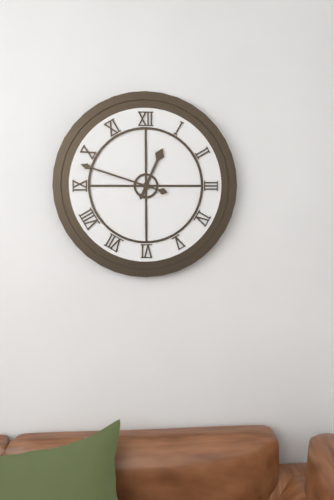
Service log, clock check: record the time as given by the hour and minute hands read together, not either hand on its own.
12:48
